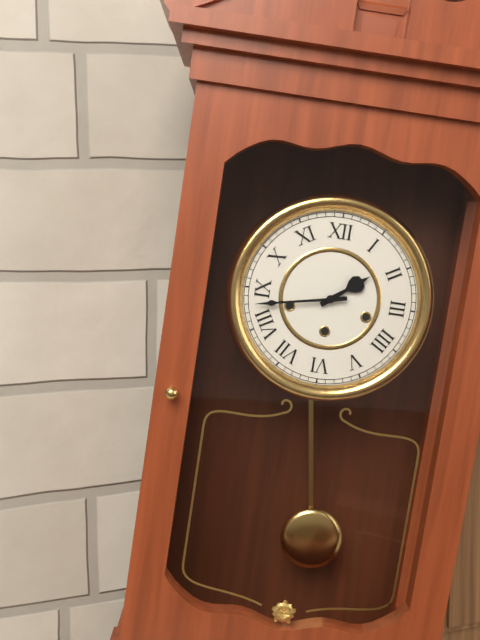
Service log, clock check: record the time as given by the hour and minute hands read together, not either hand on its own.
1:43
